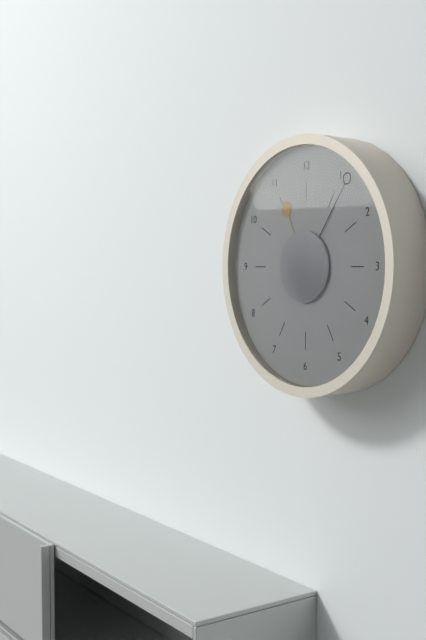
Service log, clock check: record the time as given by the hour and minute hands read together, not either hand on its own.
11:06
